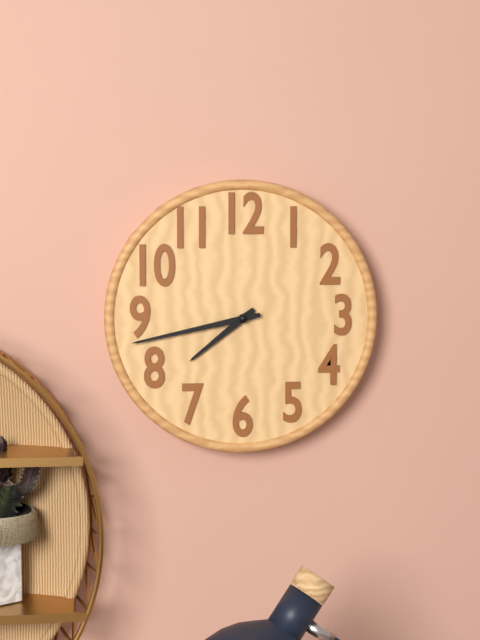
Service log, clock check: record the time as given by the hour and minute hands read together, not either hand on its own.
7:43
